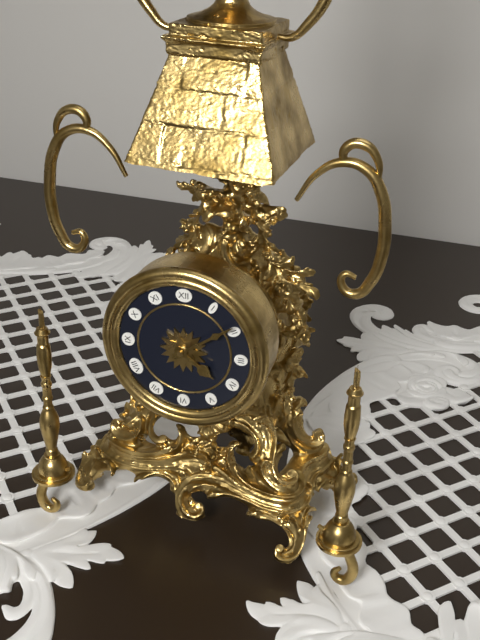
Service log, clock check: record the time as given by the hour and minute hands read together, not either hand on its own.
4:09
